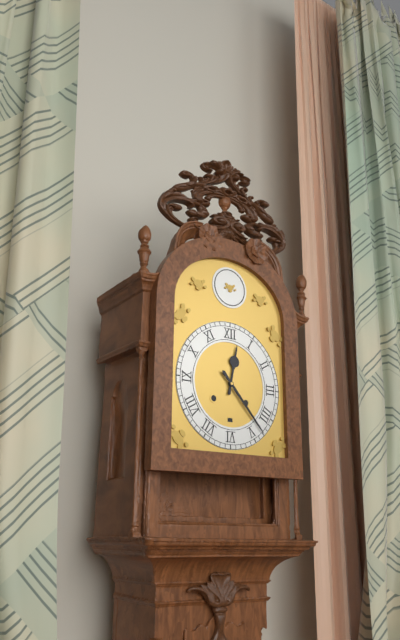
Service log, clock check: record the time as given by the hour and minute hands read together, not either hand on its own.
12:23
